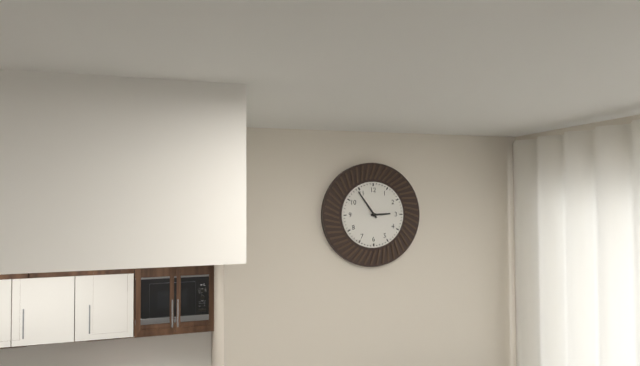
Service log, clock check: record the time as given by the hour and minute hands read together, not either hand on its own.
2:54
